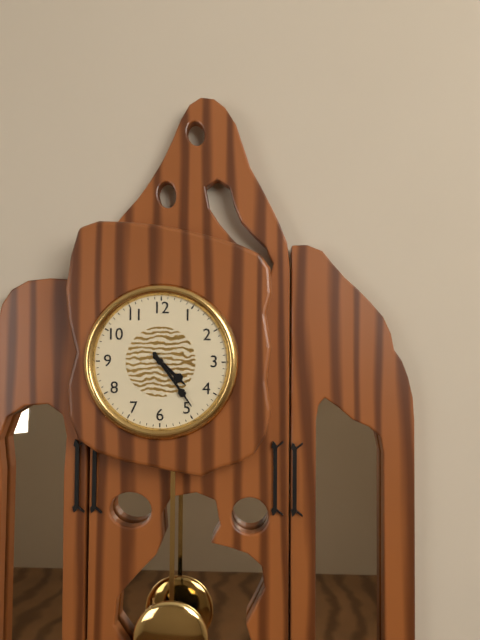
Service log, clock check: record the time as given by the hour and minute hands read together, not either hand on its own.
4:24
